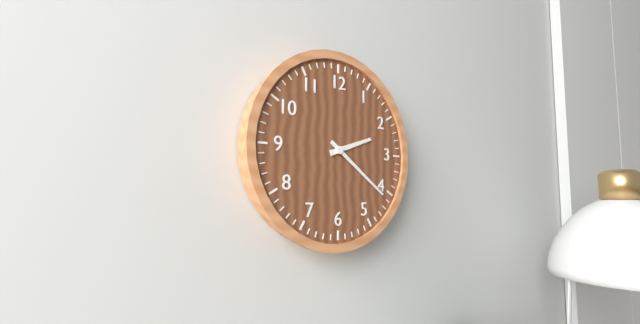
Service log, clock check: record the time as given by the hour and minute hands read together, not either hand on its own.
2:21
